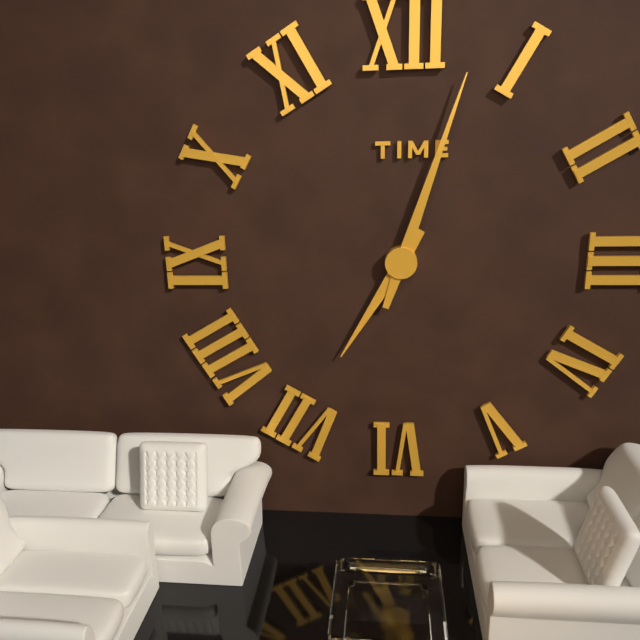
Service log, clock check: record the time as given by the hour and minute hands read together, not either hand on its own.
7:03
